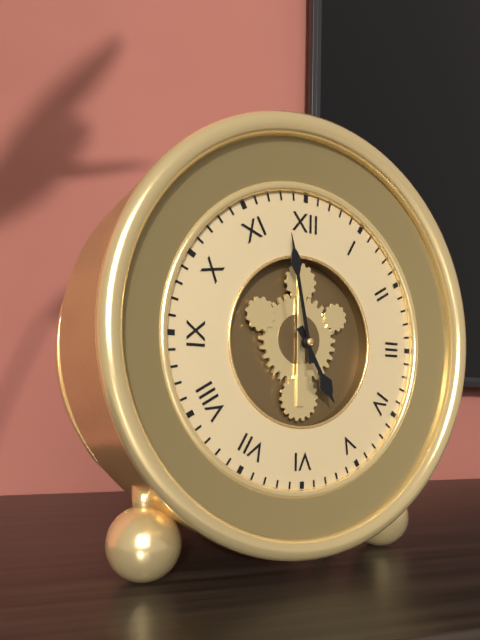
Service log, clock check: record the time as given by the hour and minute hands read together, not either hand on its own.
4:58
